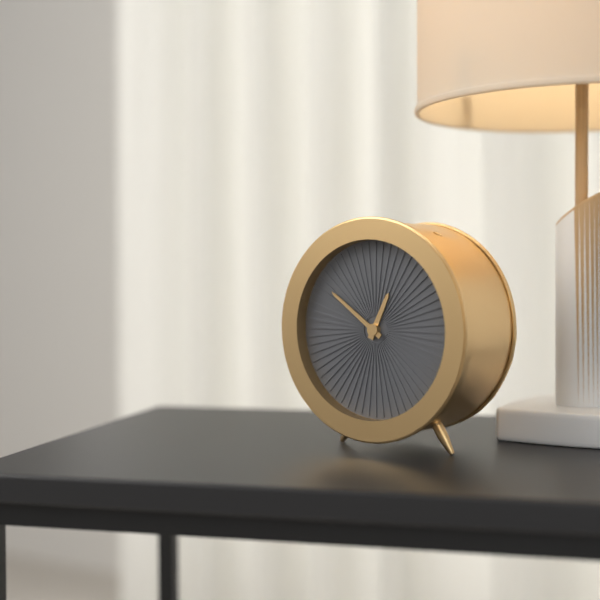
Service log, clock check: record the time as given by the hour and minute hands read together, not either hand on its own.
12:51
